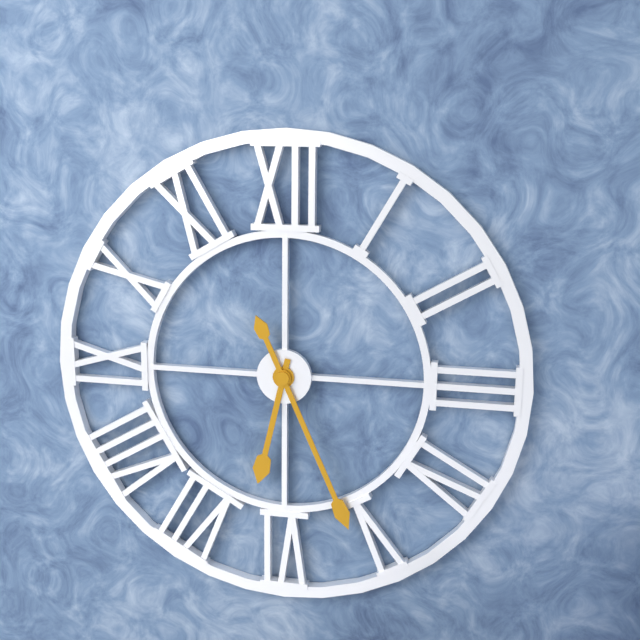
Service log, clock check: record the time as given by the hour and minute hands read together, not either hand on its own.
6:26
